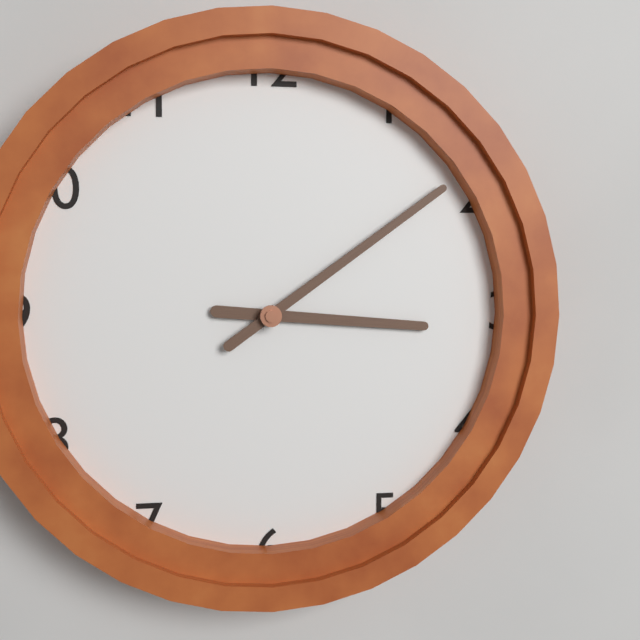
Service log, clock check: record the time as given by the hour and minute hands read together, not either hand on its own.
3:09
